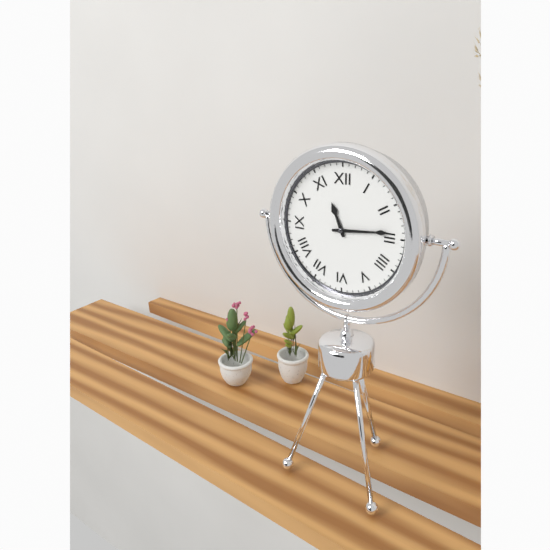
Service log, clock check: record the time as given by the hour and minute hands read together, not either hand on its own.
11:14
